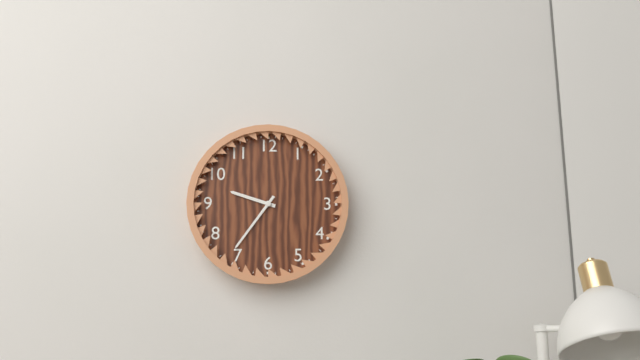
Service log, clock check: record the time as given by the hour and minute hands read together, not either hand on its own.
9:36
